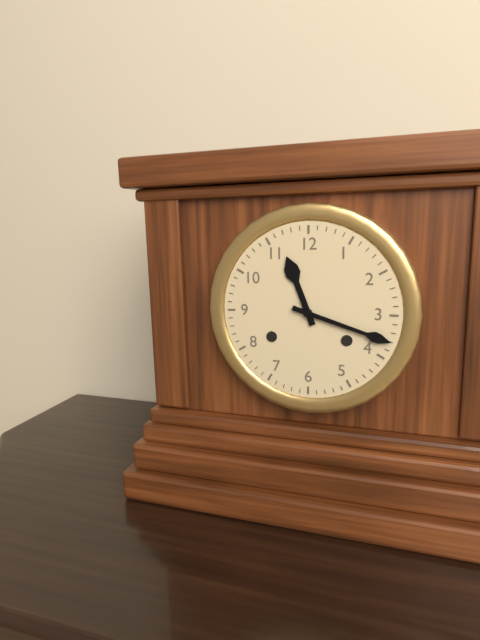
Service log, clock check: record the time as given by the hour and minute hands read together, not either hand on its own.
11:18
